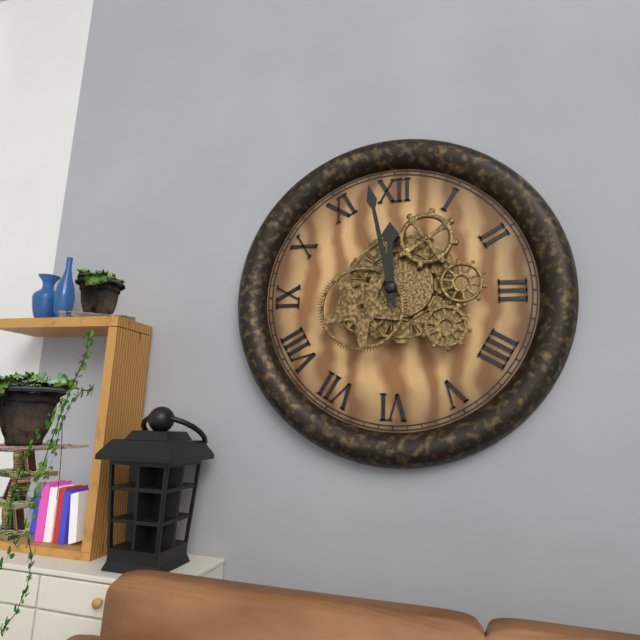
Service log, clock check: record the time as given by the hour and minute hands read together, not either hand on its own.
11:58
